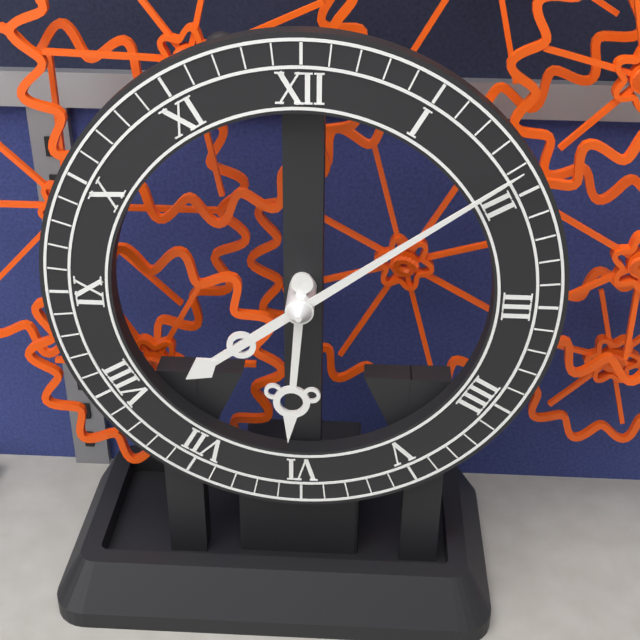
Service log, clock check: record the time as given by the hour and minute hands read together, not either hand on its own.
6:09
